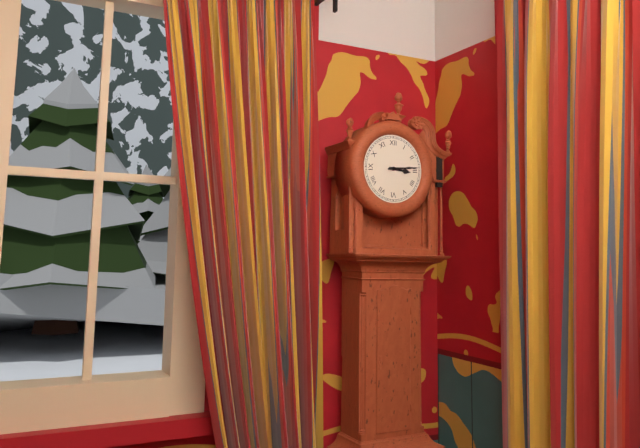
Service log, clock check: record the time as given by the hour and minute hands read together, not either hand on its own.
3:14
